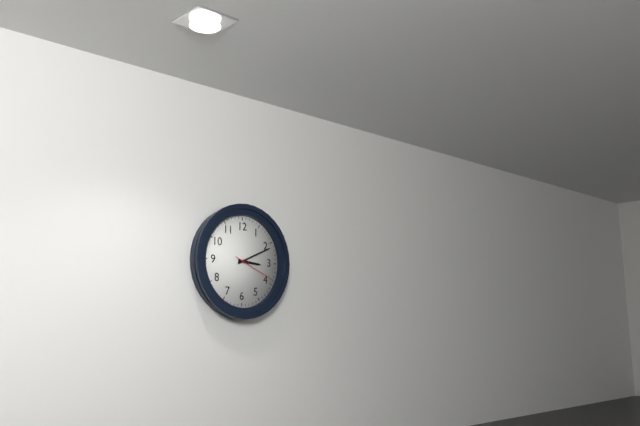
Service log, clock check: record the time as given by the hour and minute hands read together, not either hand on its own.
3:11
